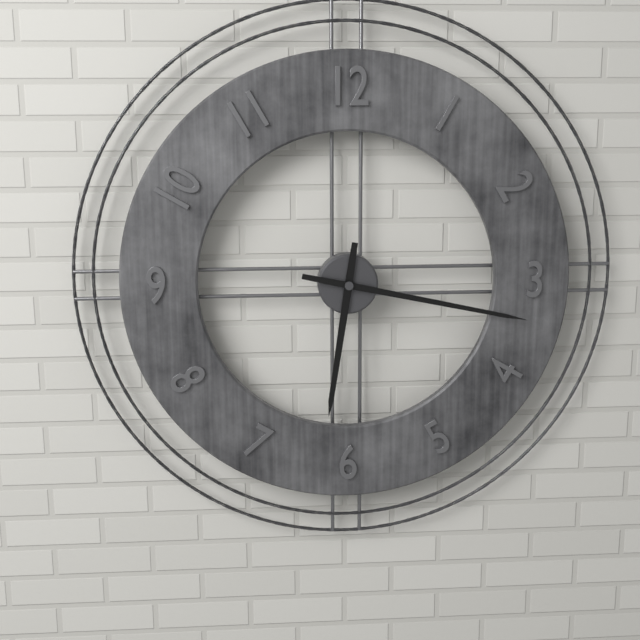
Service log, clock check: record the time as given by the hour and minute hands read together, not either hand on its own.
6:17
